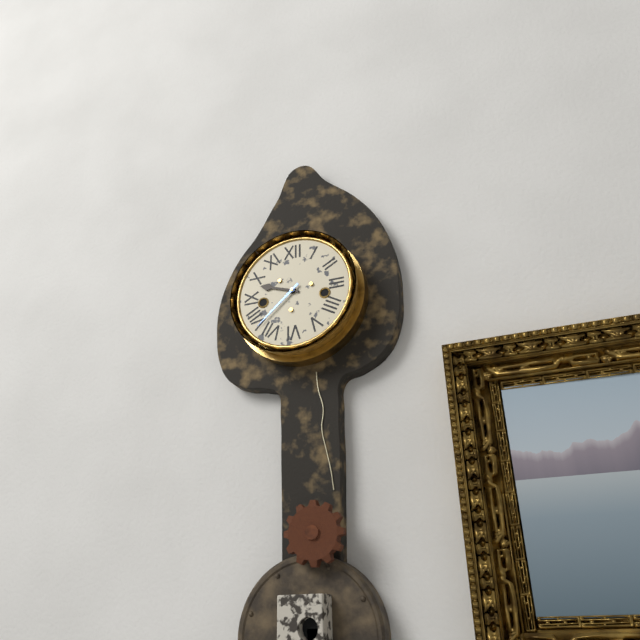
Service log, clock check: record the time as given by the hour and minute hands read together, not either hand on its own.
9:38
